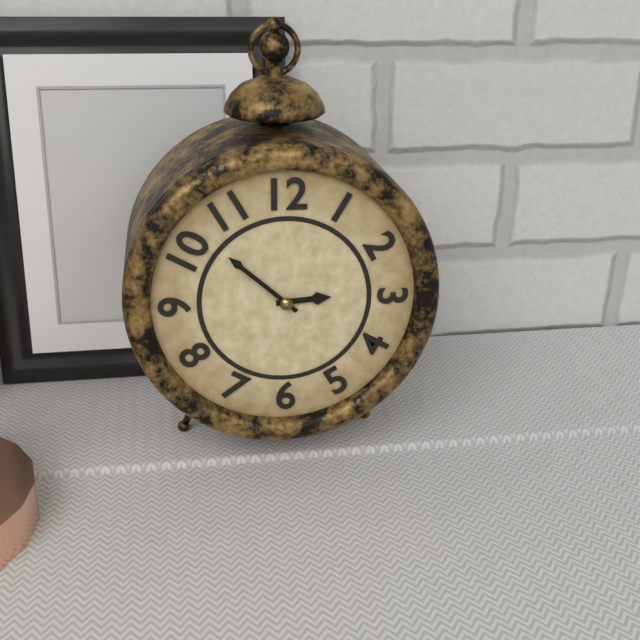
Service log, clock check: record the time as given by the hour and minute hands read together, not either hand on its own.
2:52
